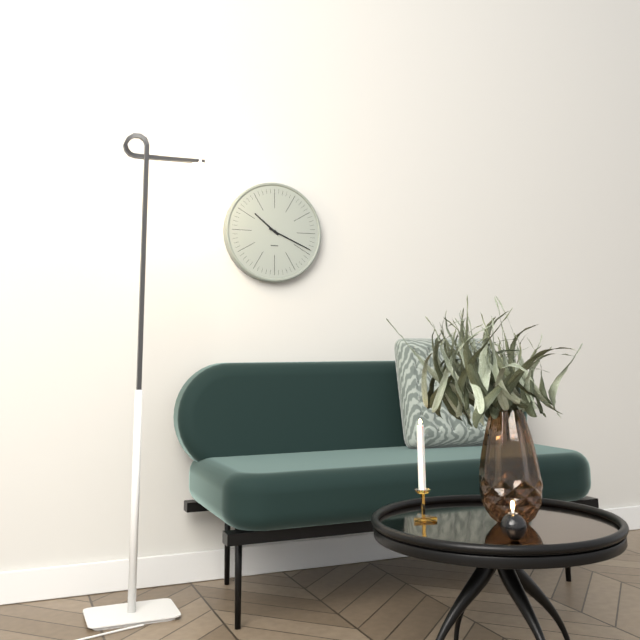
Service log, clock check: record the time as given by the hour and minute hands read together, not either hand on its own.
10:19
